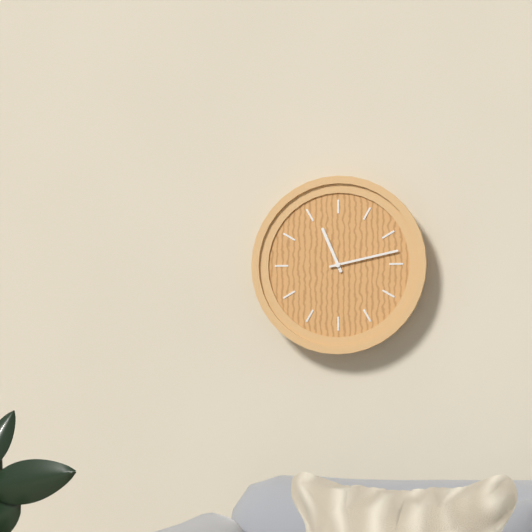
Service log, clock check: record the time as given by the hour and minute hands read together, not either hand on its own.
11:13
